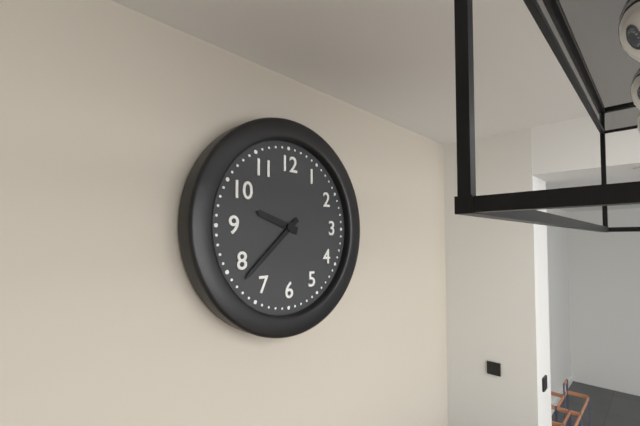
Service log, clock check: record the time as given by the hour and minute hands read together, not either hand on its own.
9:38
